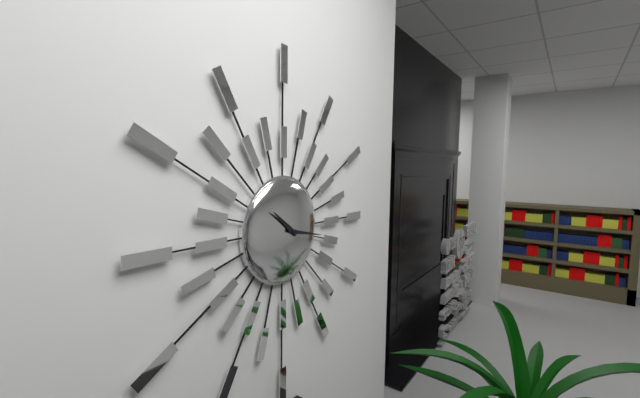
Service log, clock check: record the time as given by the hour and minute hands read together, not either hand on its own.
10:17
